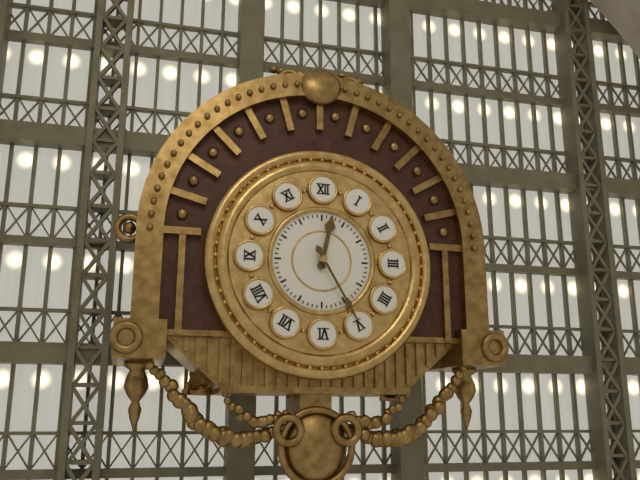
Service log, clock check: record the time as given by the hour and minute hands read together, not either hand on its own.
12:25
